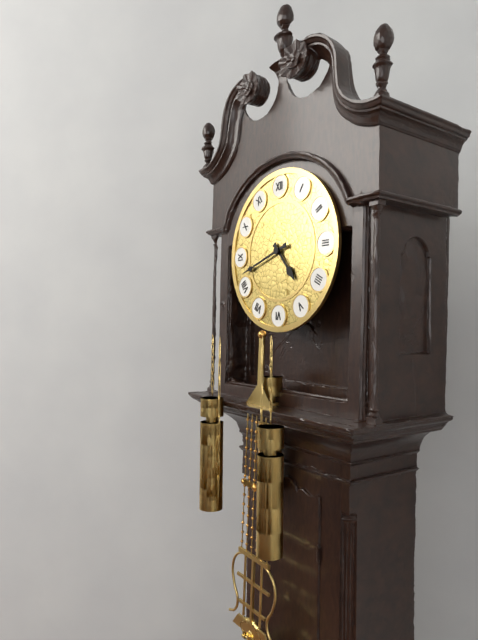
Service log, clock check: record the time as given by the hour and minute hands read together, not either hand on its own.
4:42
